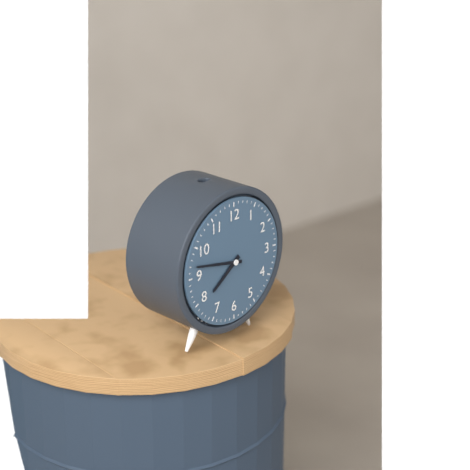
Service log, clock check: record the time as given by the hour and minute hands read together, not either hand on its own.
7:47
